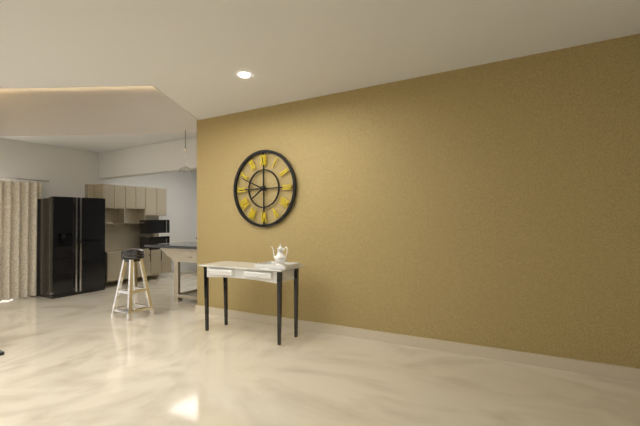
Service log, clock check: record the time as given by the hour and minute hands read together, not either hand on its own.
7:49
